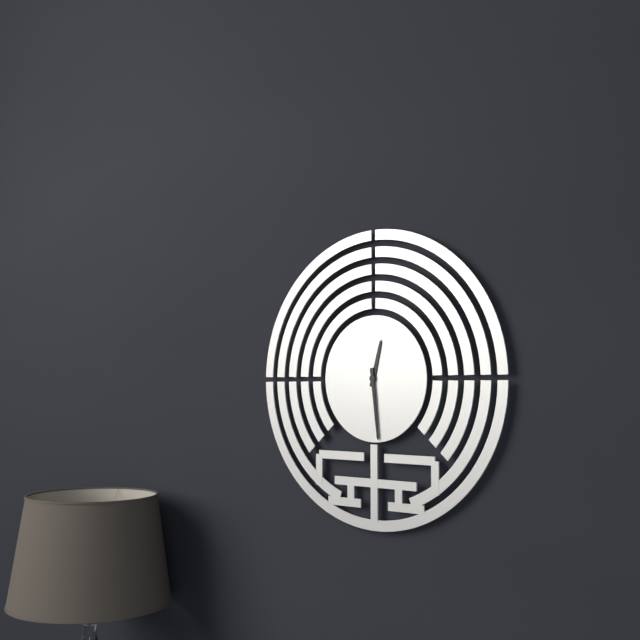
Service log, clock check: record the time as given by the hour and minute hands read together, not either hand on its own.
12:29
